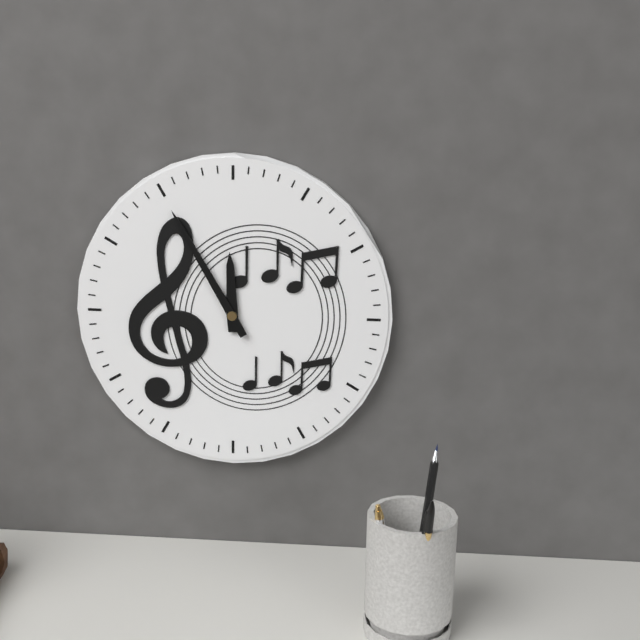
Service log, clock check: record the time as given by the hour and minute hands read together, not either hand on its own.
11:55
